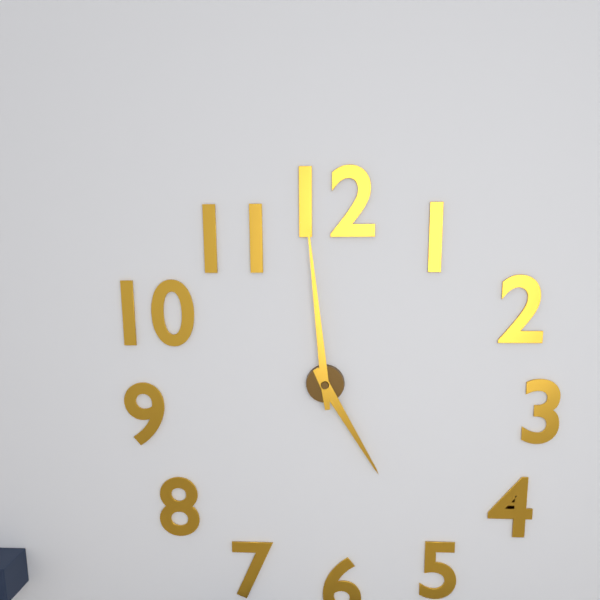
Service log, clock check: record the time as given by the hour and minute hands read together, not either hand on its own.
4:59
